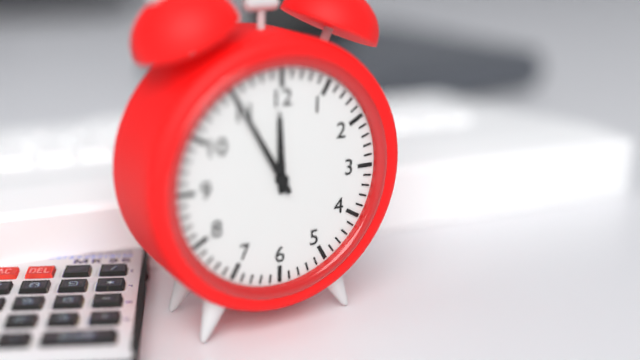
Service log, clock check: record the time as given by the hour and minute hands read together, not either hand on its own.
11:55
